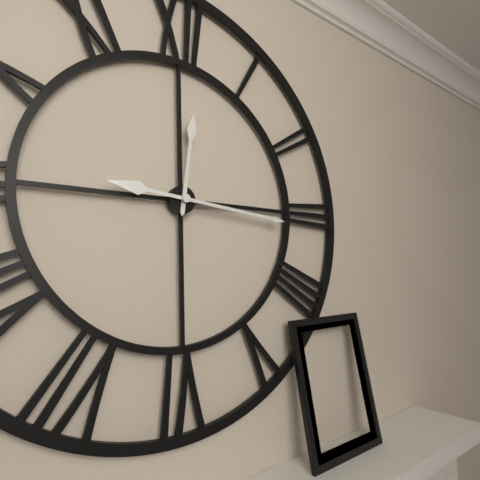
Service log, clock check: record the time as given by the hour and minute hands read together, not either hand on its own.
12:16
